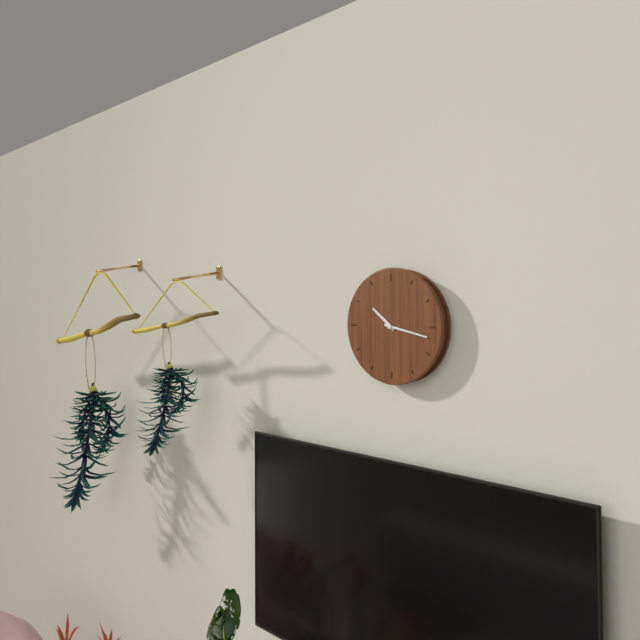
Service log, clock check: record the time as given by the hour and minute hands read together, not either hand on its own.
10:17
